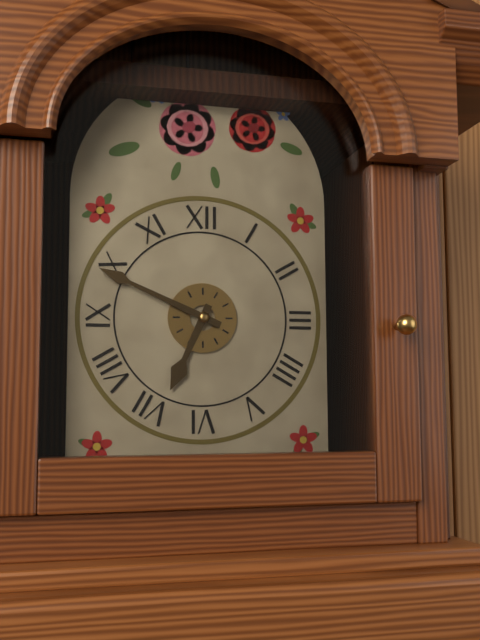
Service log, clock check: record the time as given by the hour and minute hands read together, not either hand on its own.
6:49
